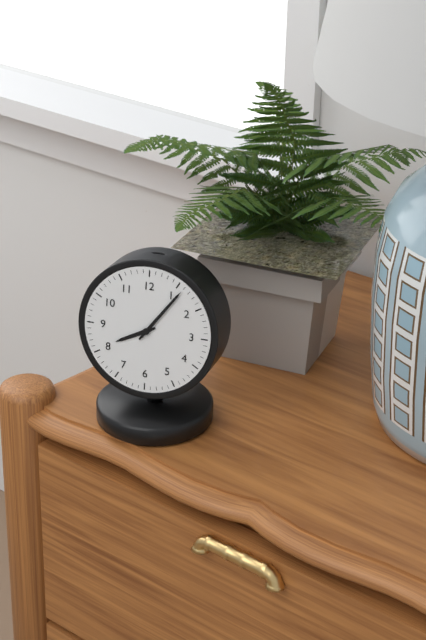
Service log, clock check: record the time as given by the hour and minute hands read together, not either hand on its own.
8:06
